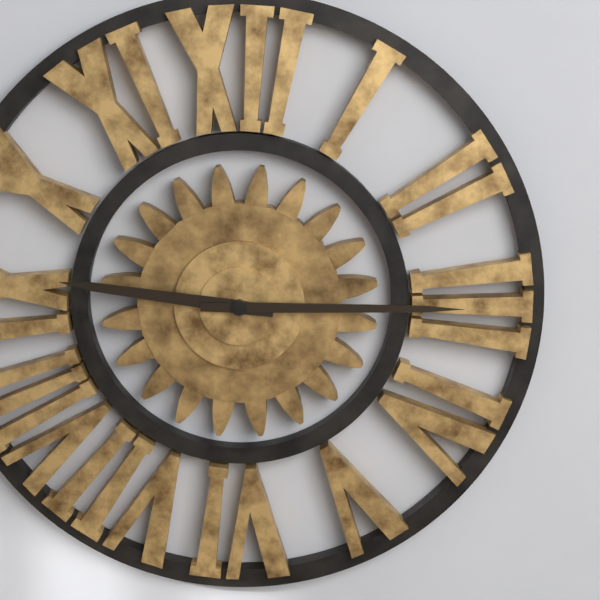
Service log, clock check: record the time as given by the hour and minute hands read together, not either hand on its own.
9:15
